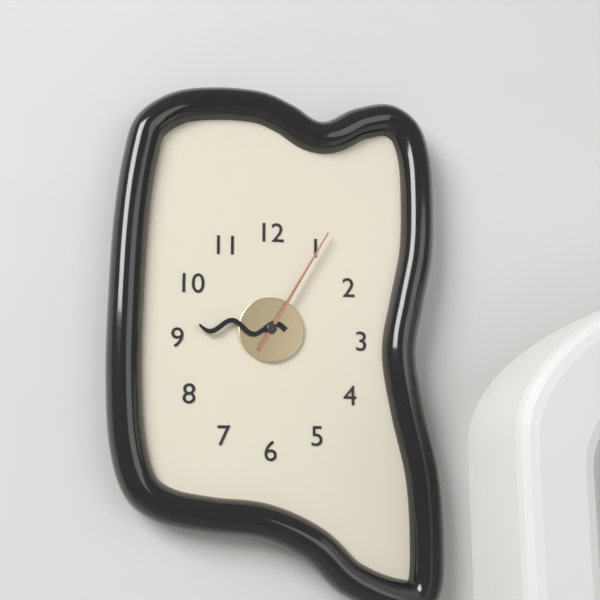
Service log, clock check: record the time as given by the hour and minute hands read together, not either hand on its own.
9:05
